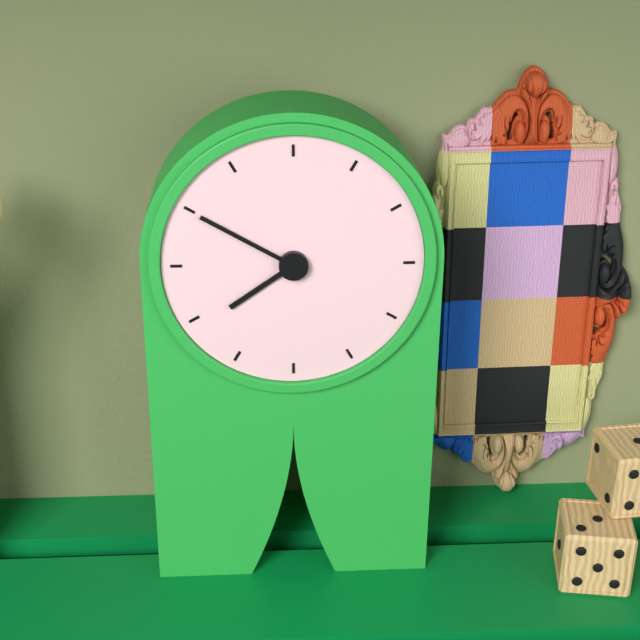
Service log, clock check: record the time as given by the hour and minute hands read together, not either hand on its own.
7:50
